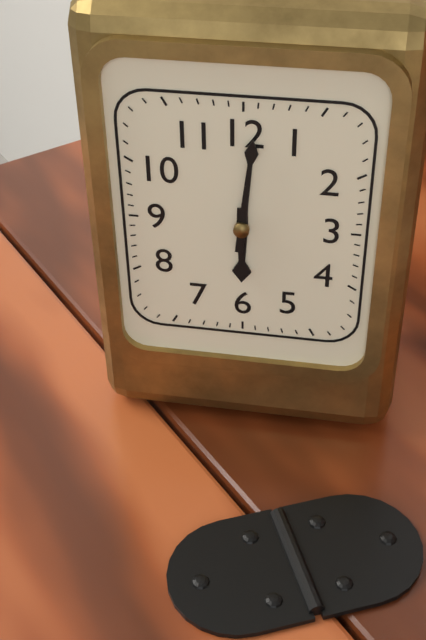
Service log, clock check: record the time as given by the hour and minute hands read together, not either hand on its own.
6:01
